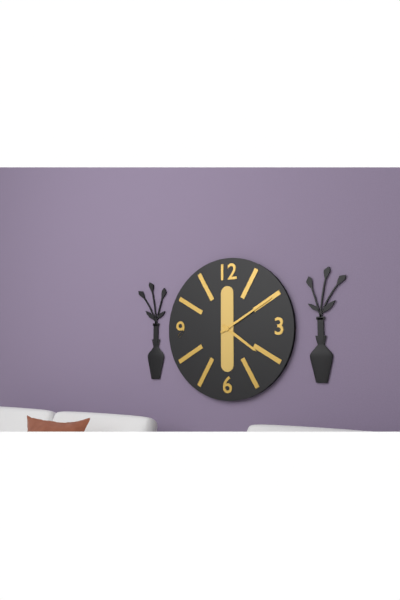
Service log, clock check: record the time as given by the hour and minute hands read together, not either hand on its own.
4:10
